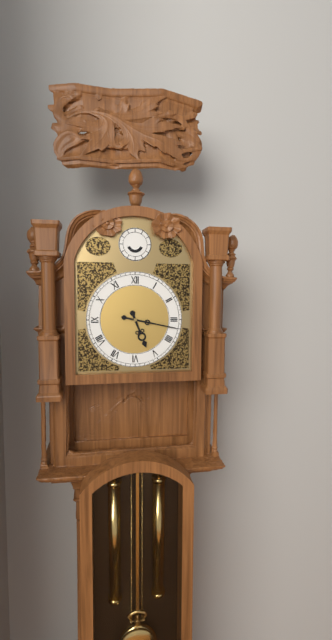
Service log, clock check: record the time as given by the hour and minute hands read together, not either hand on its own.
5:17
